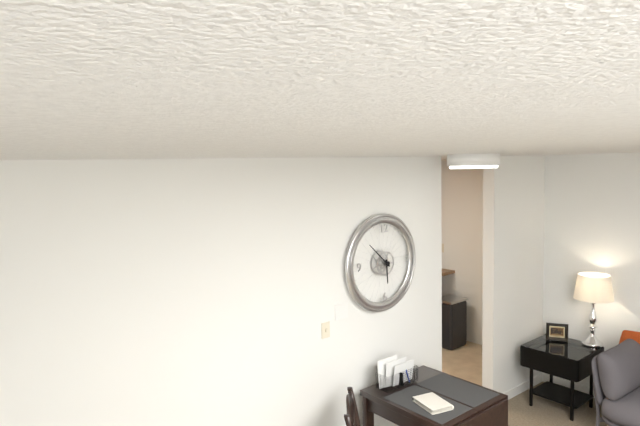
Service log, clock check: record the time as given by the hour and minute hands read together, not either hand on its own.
5:52
